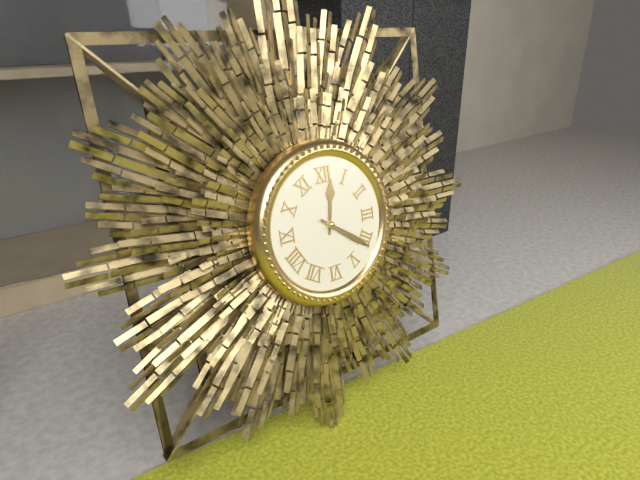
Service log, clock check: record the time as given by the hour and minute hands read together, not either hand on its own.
12:21
